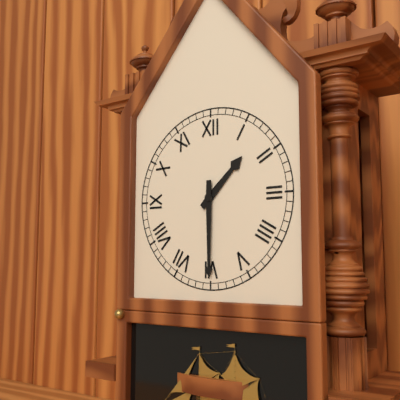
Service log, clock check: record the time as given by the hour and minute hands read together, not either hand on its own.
1:30
